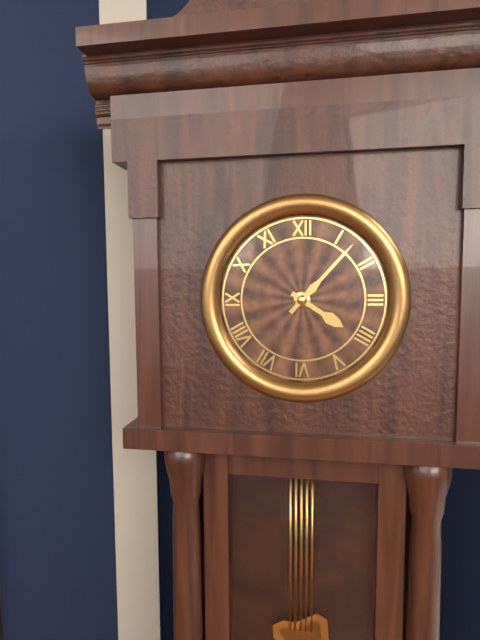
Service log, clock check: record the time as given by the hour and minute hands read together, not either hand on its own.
4:07
